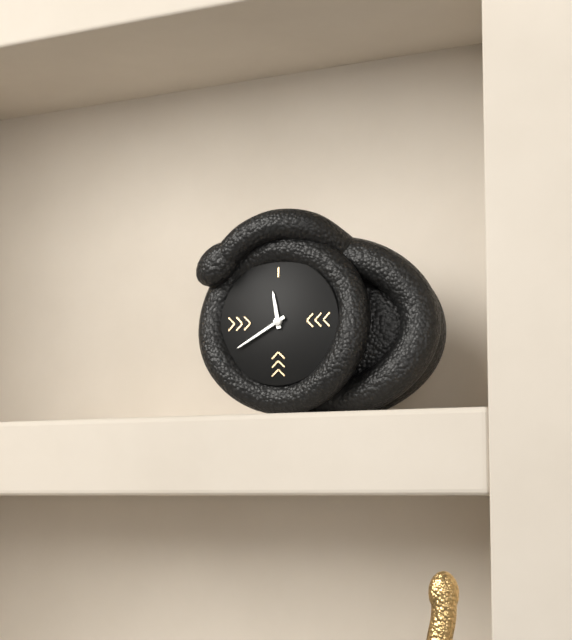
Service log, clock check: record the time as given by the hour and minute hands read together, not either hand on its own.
11:40
